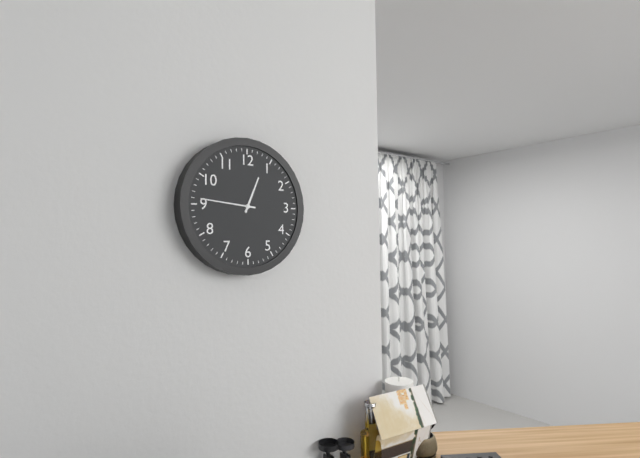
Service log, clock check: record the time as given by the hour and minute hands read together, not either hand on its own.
12:46
